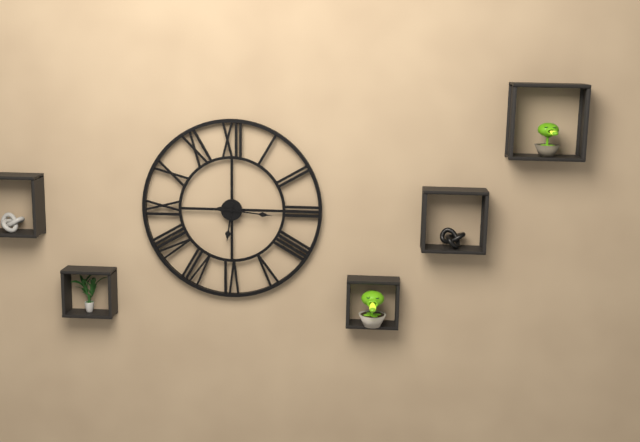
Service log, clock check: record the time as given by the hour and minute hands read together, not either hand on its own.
6:16
